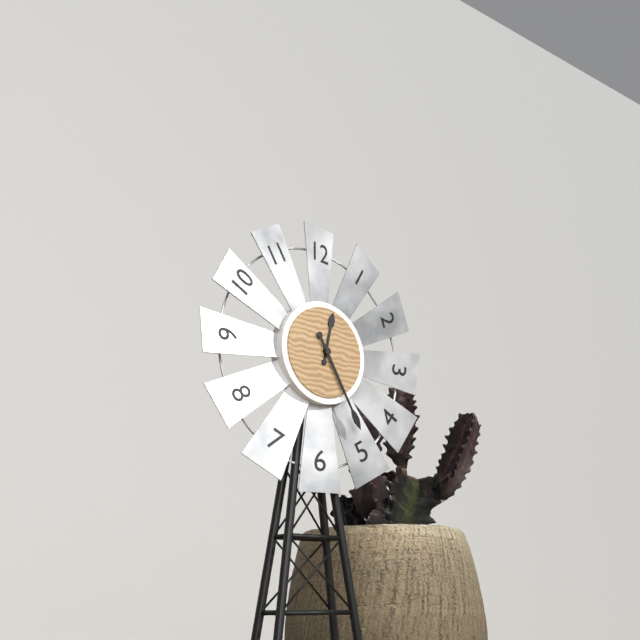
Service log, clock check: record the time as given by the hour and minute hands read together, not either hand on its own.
12:25
